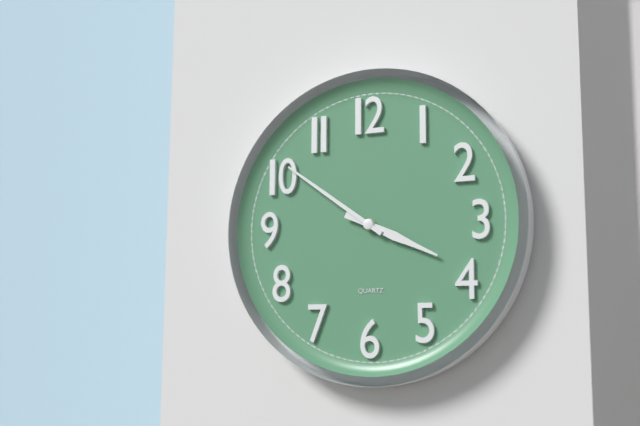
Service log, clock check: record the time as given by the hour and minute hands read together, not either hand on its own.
3:51
